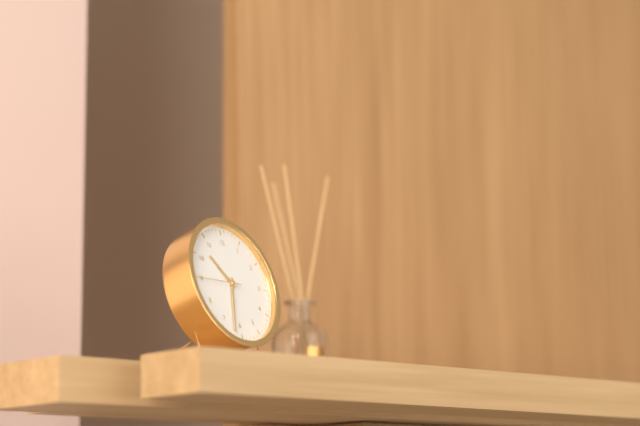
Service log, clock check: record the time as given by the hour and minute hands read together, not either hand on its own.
10:32
